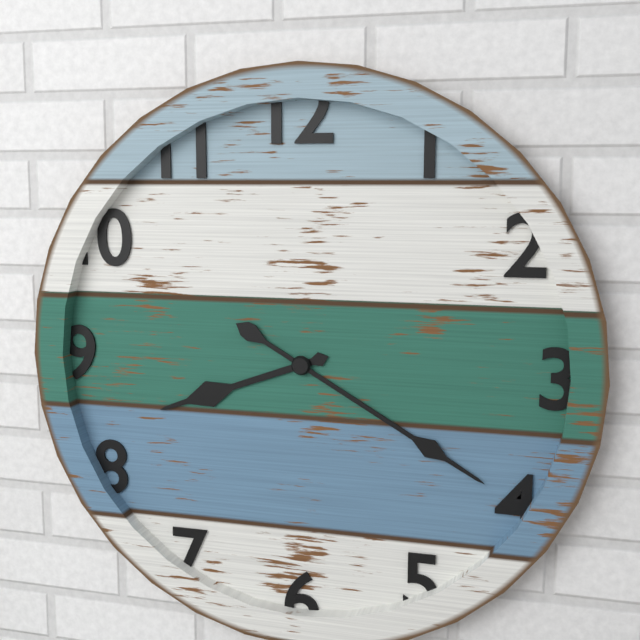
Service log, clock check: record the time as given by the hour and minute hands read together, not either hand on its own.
8:20
